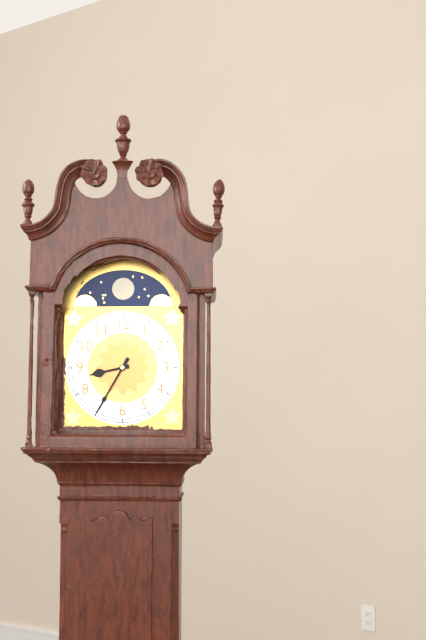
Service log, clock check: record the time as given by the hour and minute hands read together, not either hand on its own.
8:35
